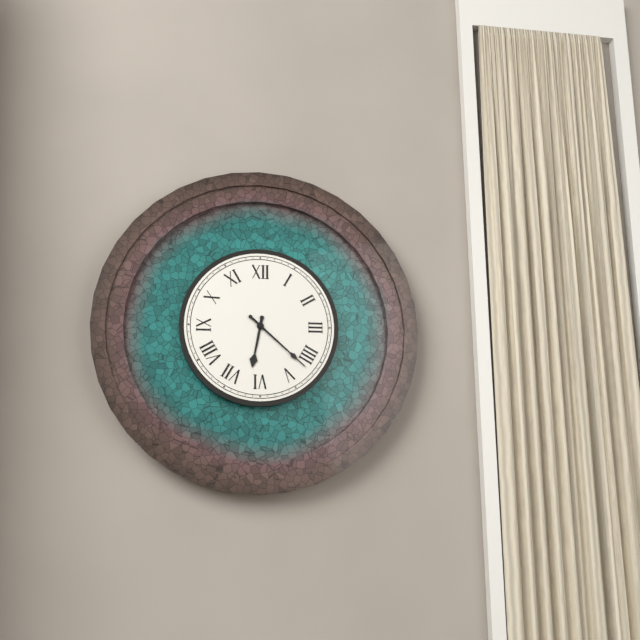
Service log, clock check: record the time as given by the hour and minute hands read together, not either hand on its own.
6:22
